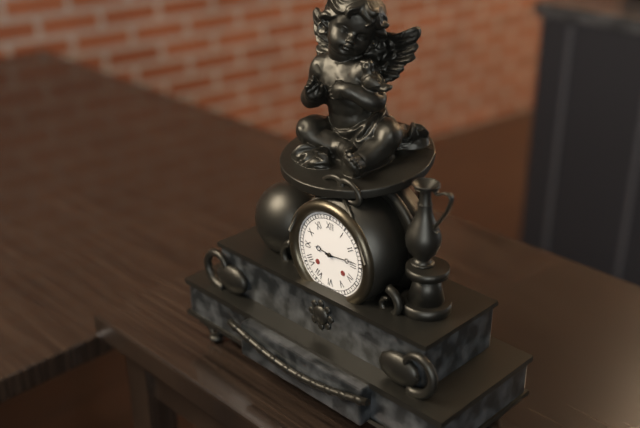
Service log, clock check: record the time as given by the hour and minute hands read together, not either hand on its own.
9:14
